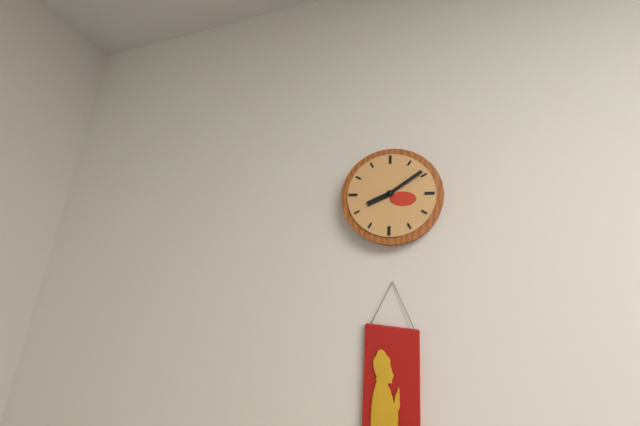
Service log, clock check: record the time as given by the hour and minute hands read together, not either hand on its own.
8:09
